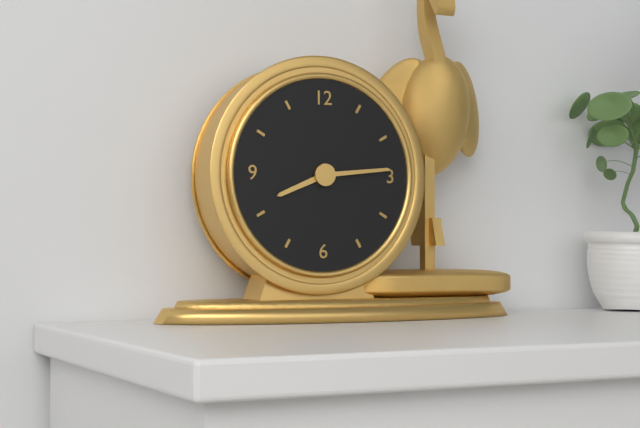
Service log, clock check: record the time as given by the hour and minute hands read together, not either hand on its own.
8:14
